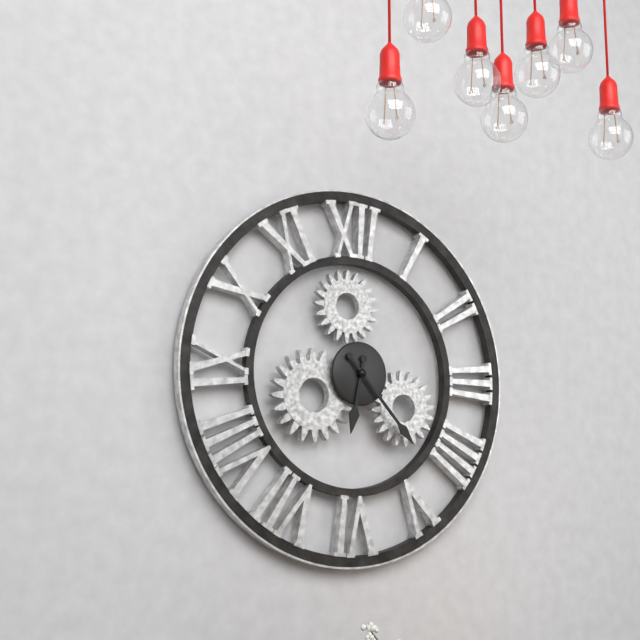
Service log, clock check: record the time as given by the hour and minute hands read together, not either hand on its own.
6:23
